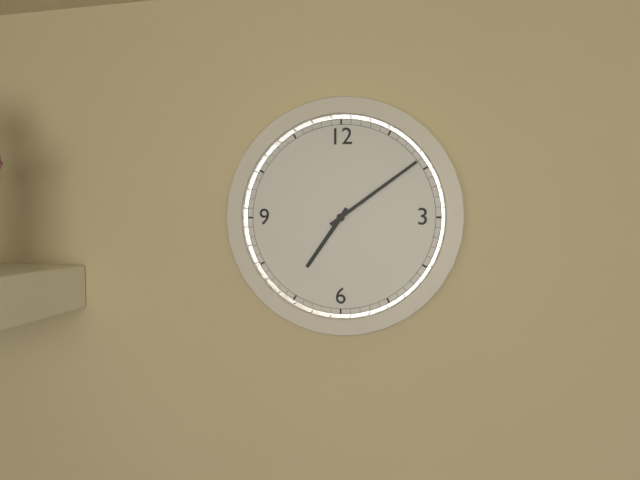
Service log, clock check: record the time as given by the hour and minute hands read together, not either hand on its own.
7:09
